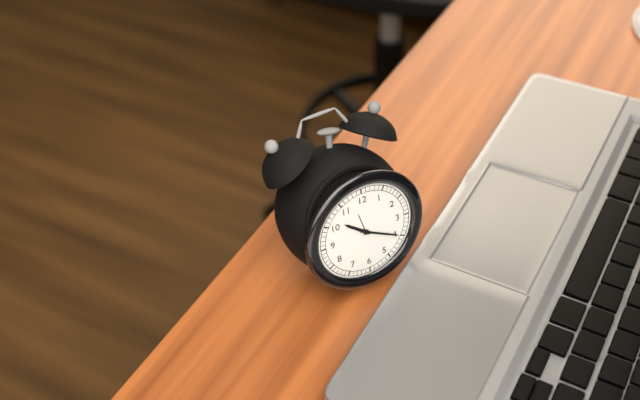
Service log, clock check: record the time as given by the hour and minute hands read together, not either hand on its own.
10:20
